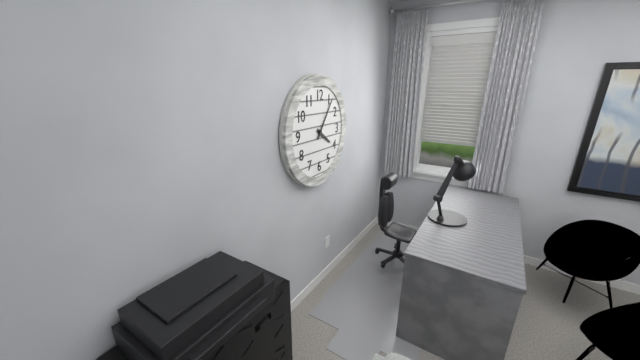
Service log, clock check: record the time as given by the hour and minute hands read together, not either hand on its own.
4:06
